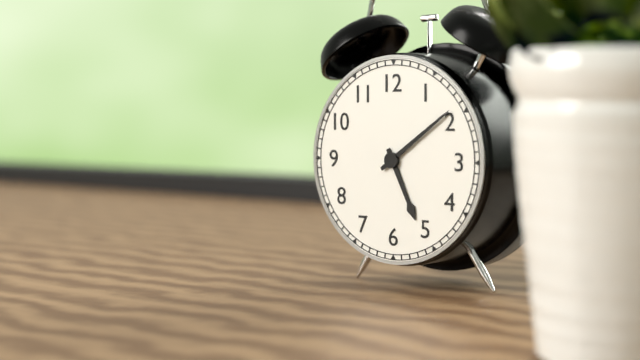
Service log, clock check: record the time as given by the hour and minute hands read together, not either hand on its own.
5:09
